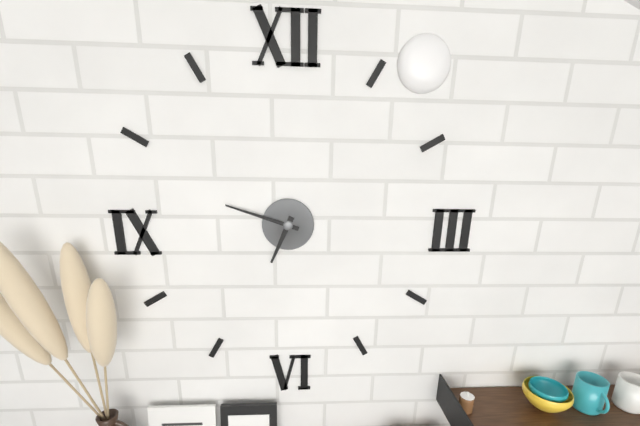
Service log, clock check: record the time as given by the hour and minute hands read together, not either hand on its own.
6:48
